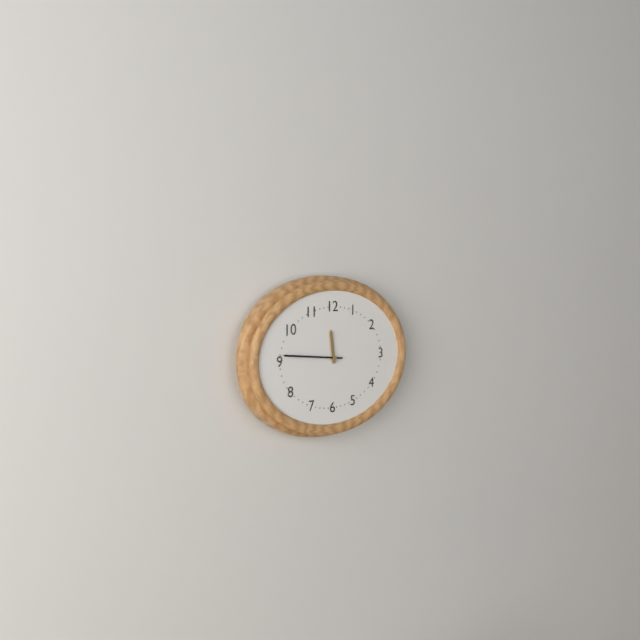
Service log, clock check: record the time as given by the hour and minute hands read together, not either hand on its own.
11:46
